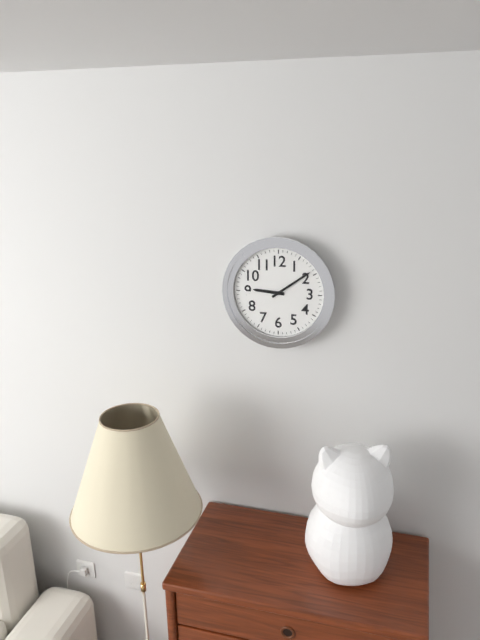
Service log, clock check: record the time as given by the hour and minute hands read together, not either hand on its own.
9:09
